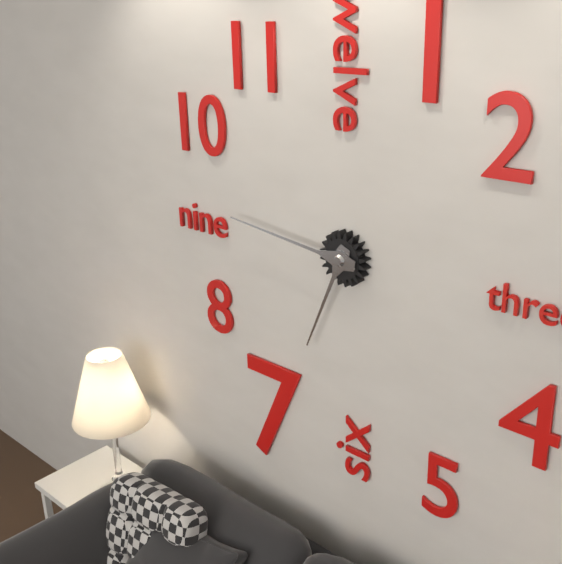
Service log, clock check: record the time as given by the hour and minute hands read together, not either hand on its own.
6:46
